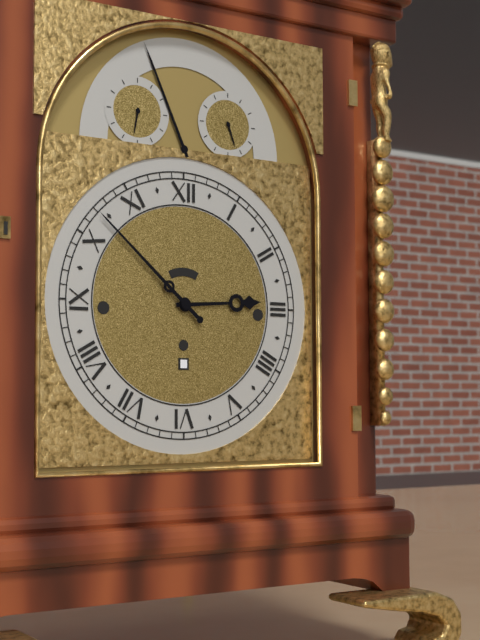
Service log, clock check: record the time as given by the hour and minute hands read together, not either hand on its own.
2:52
